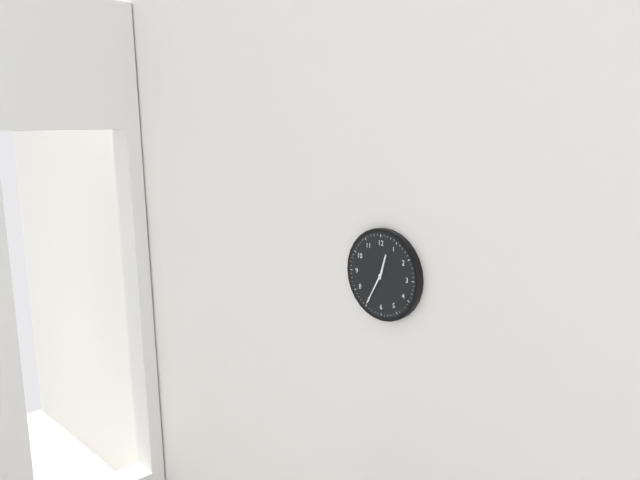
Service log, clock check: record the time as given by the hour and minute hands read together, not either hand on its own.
12:35
